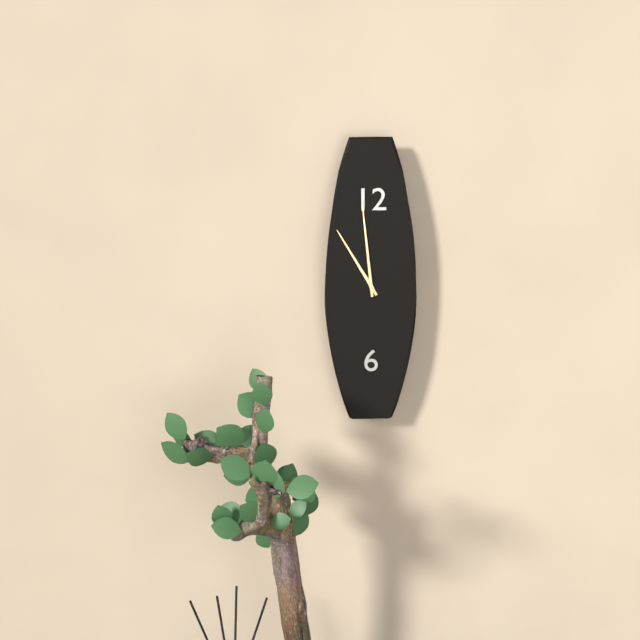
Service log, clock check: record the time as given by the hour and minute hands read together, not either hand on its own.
10:59
